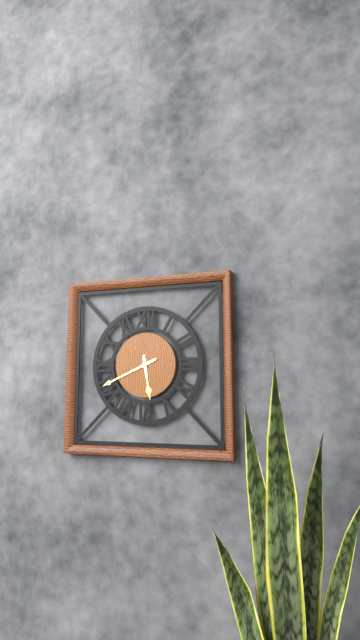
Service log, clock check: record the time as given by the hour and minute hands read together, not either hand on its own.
5:41
